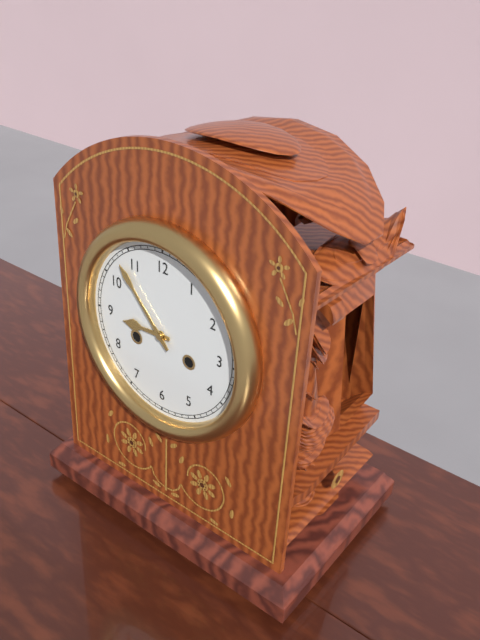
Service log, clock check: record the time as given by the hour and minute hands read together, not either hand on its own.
8:53
